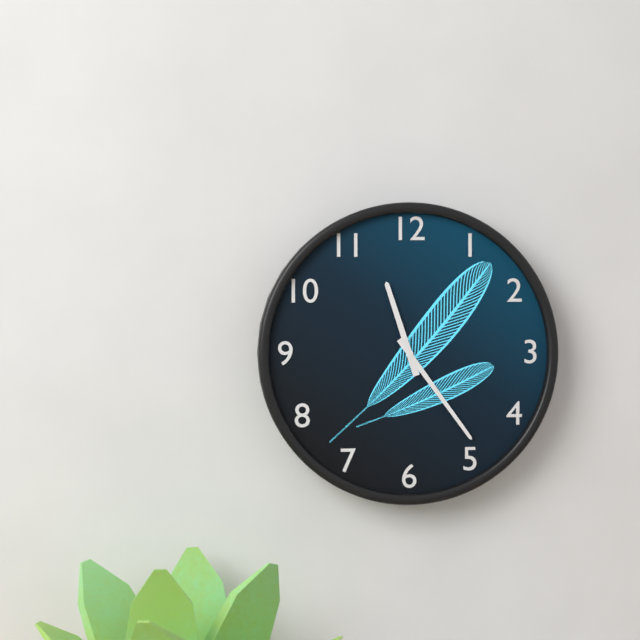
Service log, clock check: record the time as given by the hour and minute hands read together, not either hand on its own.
11:24
